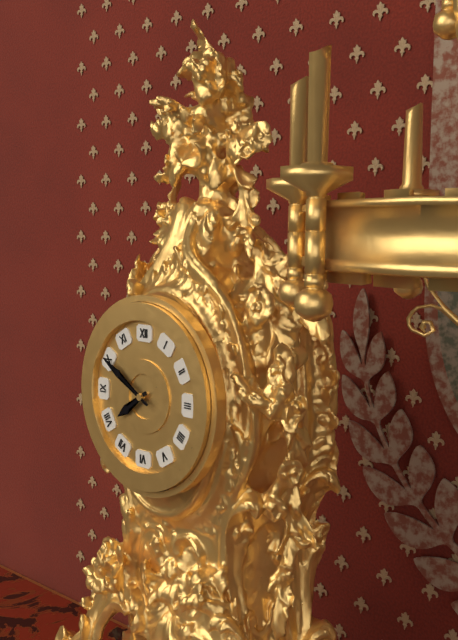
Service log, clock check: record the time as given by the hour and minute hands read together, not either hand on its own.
7:50
